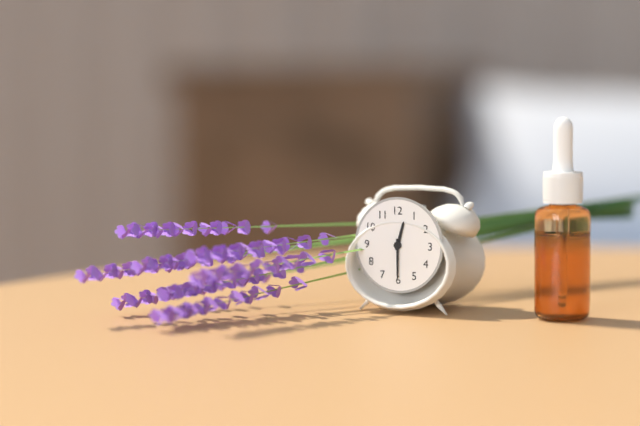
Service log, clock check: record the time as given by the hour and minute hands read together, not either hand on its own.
12:30
